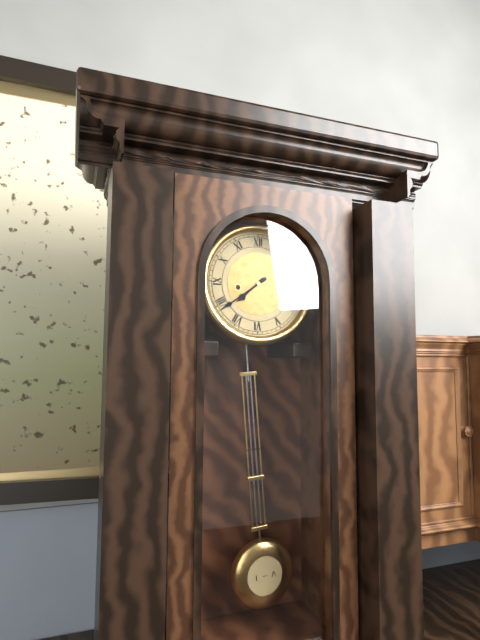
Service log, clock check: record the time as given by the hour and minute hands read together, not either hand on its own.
7:39
